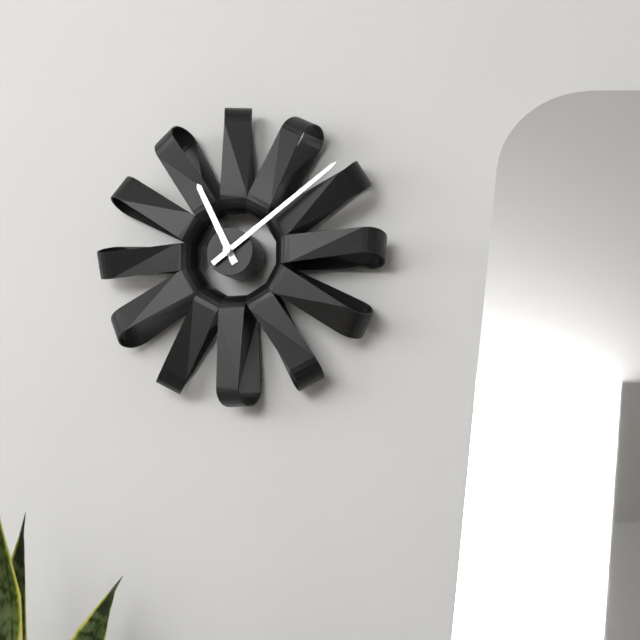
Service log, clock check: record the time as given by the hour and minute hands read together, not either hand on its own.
11:09
